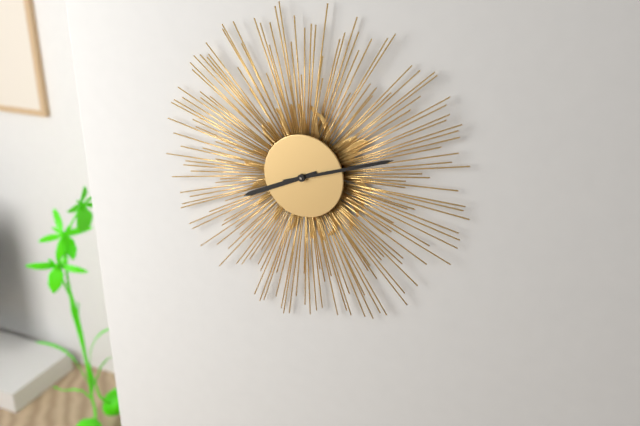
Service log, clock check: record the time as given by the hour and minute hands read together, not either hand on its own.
8:12
